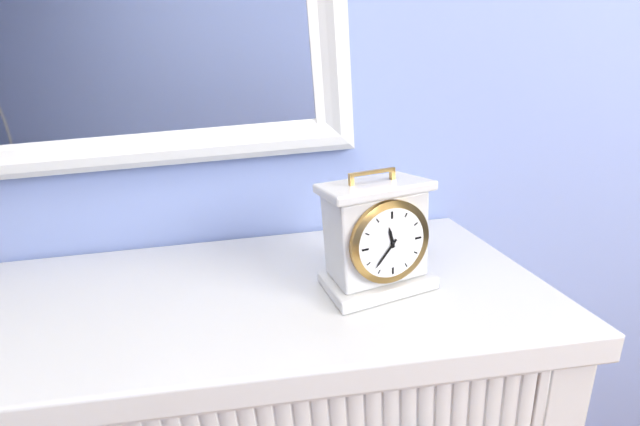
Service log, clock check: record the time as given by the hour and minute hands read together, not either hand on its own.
11:37
